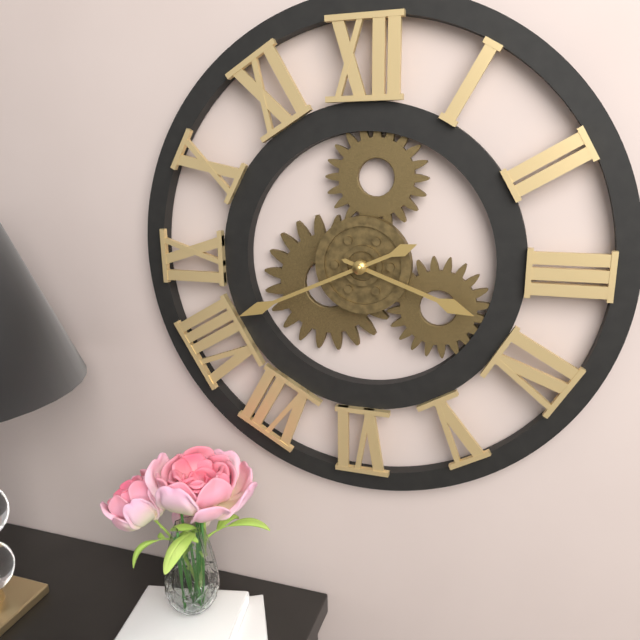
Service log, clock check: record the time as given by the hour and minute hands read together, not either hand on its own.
3:41
